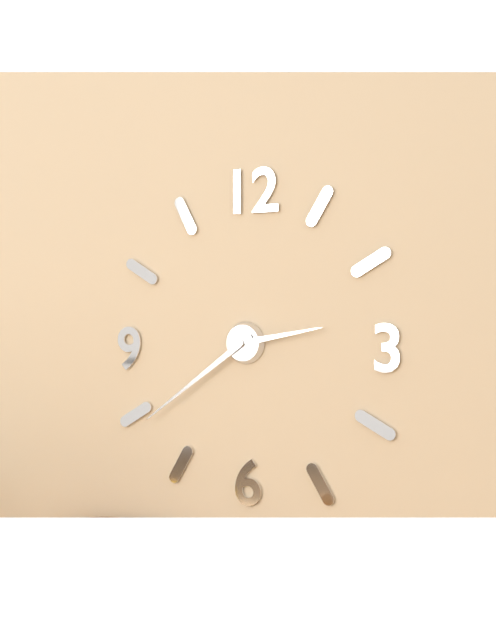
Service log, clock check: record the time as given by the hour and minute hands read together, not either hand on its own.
2:39
